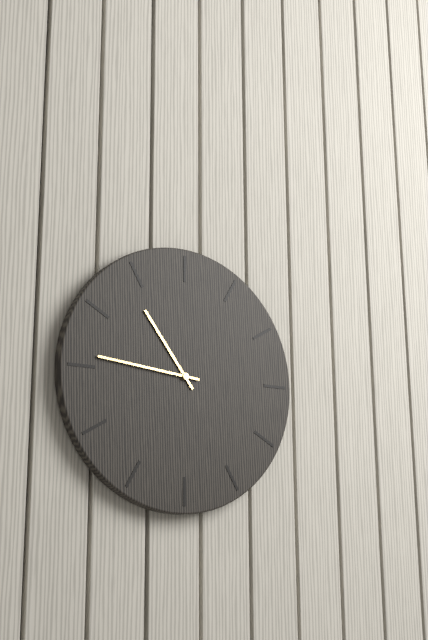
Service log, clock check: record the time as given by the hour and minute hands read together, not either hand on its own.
10:46
